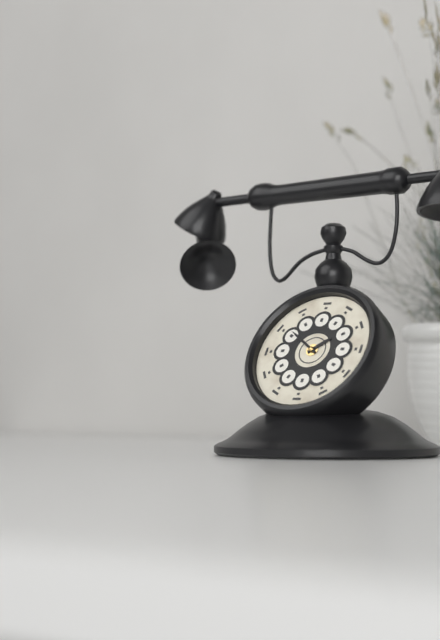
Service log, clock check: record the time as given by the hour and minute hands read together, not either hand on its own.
1:51
